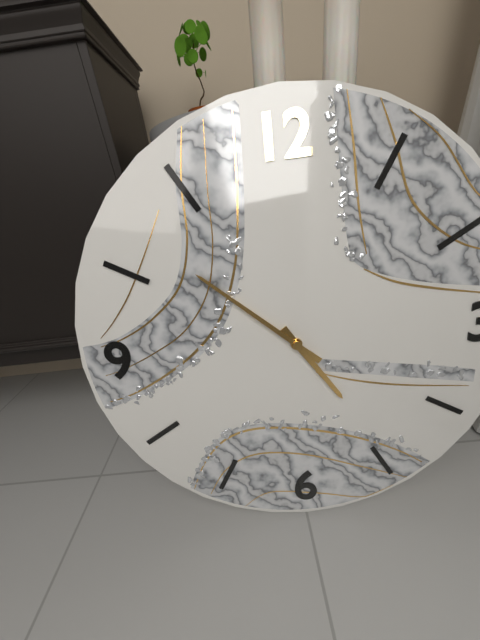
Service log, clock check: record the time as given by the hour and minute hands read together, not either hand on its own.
4:52
